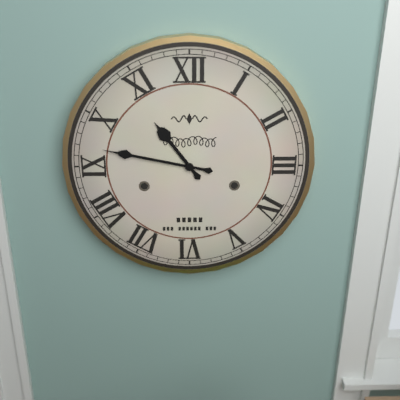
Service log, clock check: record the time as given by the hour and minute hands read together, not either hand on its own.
10:47
